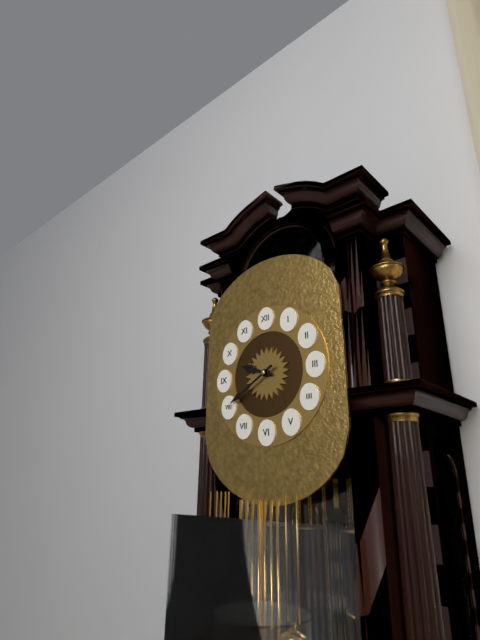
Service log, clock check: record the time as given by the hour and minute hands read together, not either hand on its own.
9:40
